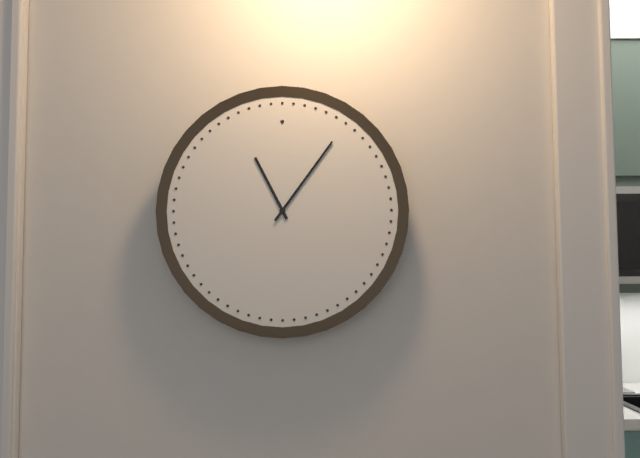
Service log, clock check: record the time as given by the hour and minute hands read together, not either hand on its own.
11:06
